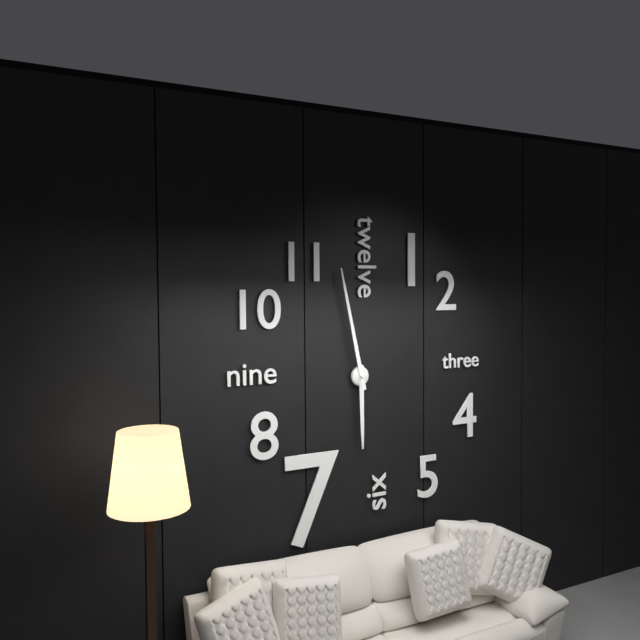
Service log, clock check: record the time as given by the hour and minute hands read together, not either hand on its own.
5:58
